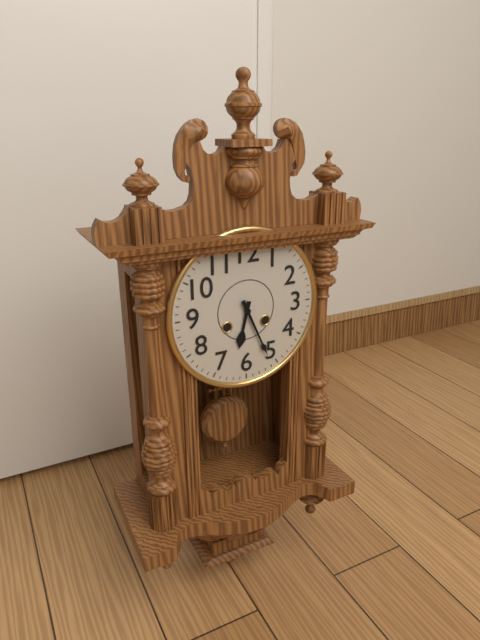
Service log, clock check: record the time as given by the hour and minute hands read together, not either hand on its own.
6:26
